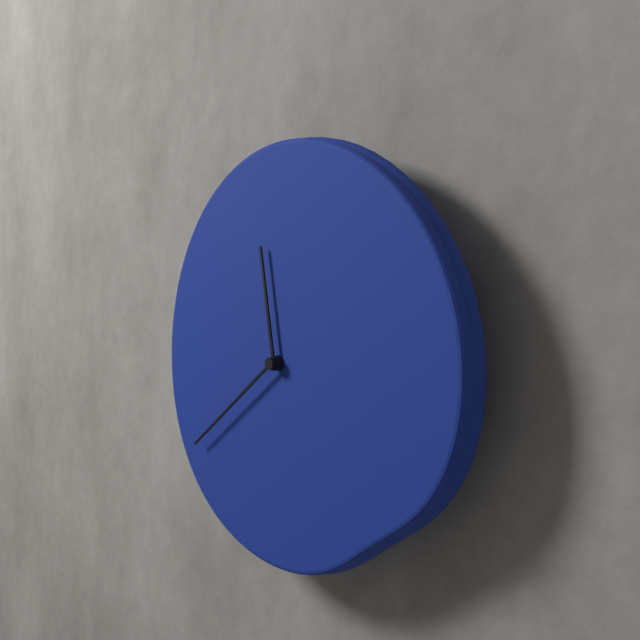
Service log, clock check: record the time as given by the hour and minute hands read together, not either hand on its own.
11:39
